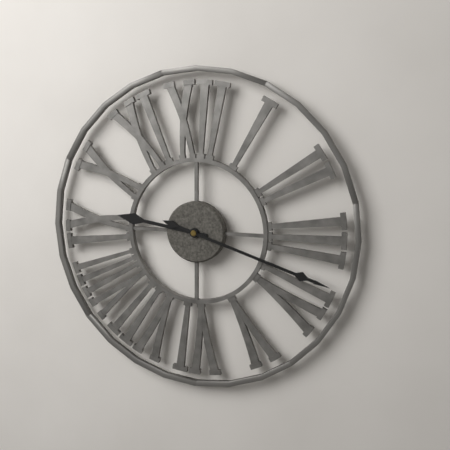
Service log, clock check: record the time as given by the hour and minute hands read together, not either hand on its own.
9:18
